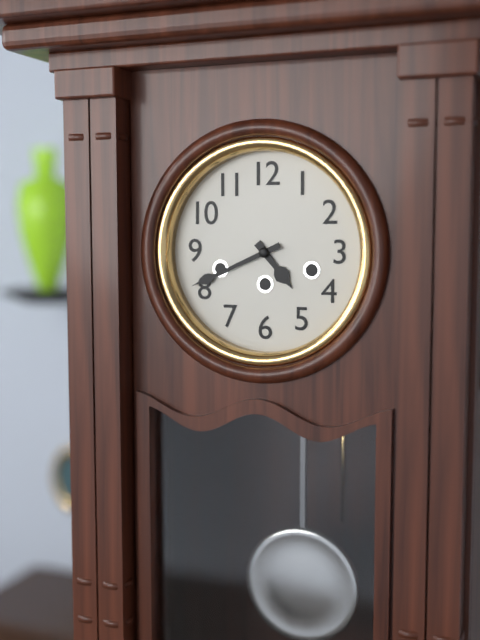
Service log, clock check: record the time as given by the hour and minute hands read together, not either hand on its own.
4:41
